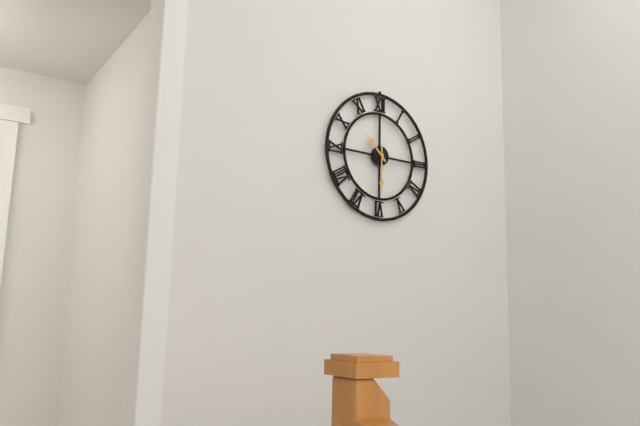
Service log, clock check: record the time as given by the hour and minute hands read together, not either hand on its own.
10:30
